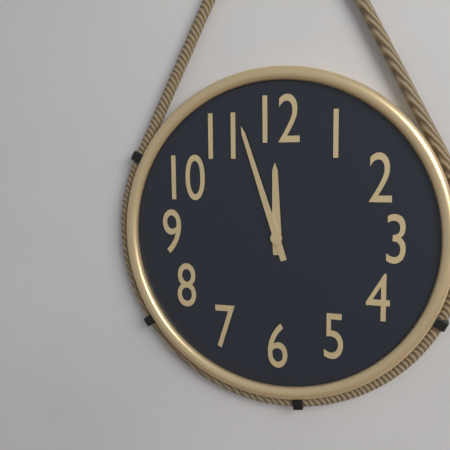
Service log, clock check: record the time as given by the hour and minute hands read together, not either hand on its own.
11:57
